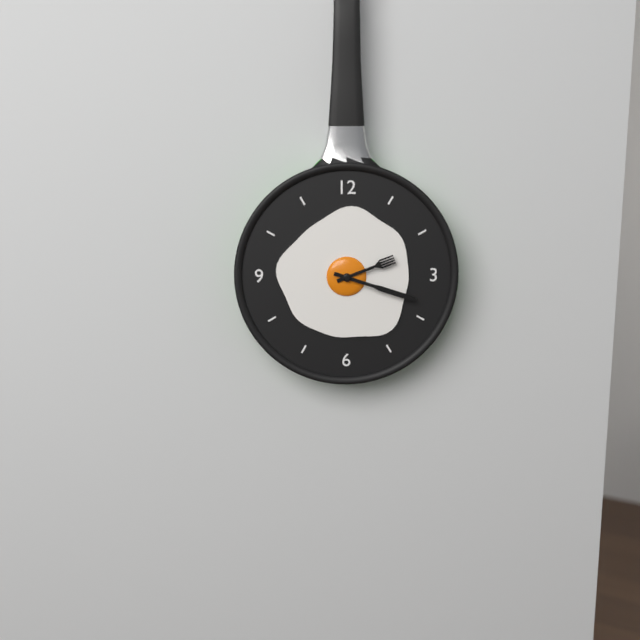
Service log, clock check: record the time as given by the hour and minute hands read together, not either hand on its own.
2:18
